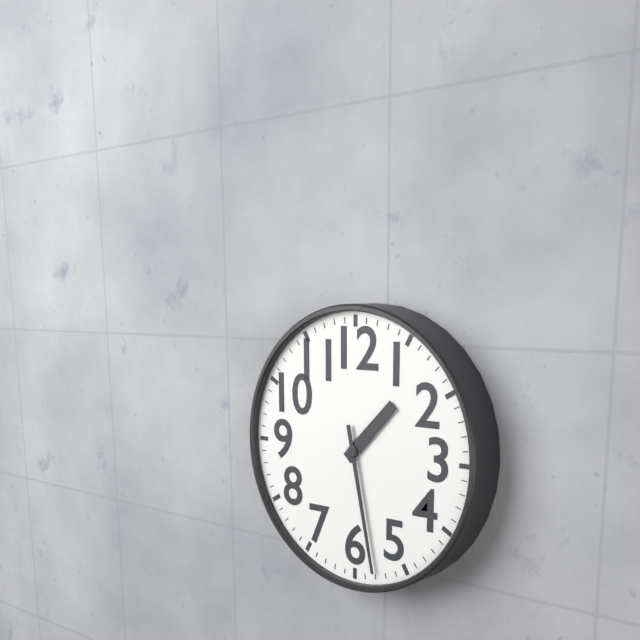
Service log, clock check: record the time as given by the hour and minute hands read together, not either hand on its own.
1:28
